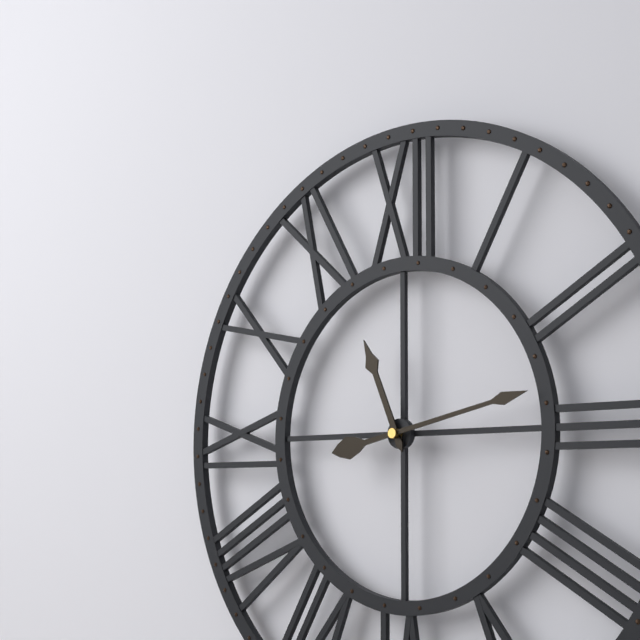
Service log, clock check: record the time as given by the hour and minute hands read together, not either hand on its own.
11:13
